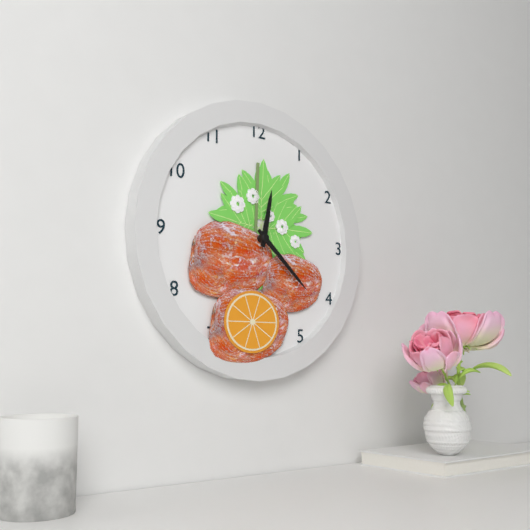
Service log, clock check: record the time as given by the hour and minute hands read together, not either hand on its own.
12:22
